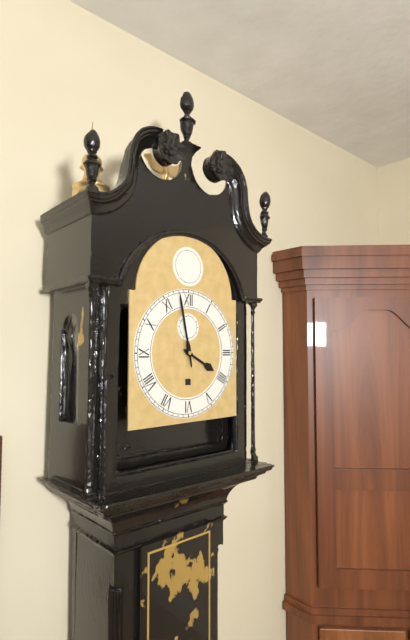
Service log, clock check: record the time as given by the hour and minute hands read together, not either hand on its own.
3:58
